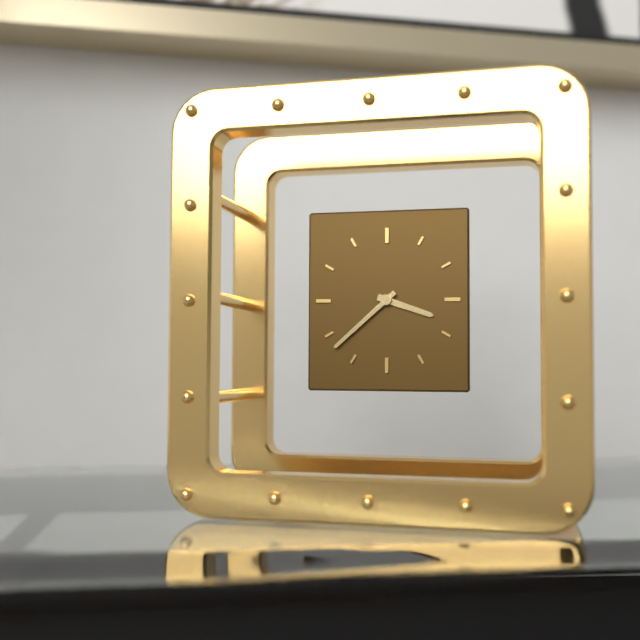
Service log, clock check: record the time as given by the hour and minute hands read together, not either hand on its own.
3:38
